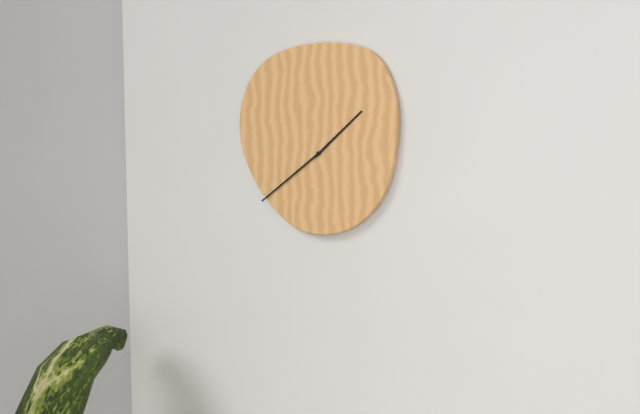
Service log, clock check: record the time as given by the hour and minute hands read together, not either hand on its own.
1:39
